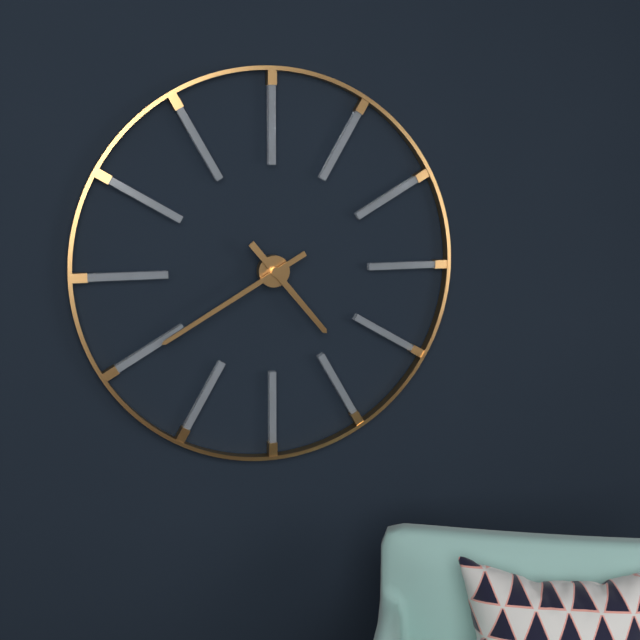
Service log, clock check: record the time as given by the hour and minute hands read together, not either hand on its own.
4:40
